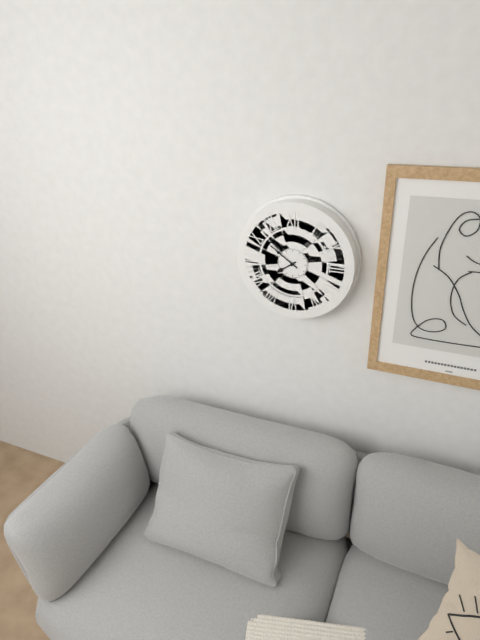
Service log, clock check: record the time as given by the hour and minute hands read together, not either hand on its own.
7:51
